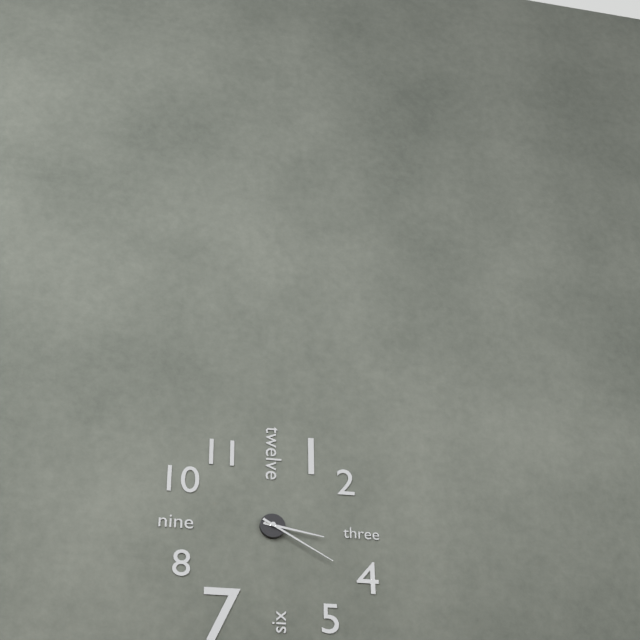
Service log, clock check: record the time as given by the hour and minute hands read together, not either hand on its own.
3:20
